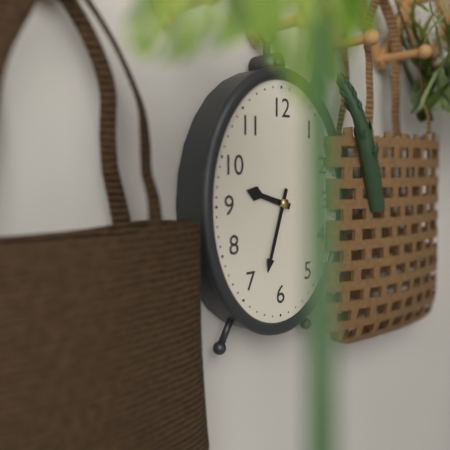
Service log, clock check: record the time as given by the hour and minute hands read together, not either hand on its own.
9:33
